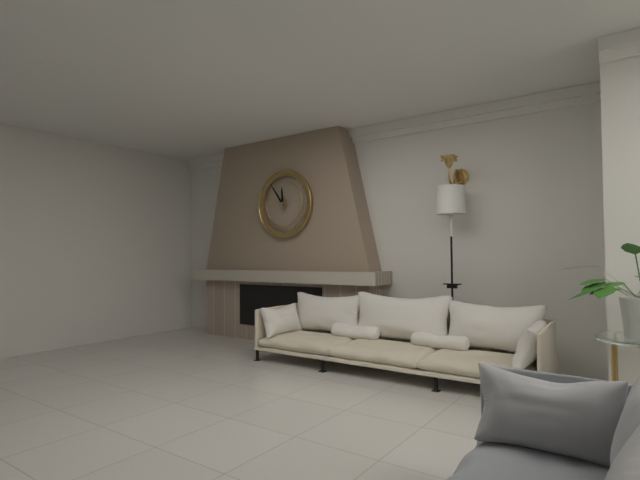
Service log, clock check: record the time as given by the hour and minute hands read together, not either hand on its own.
11:54
